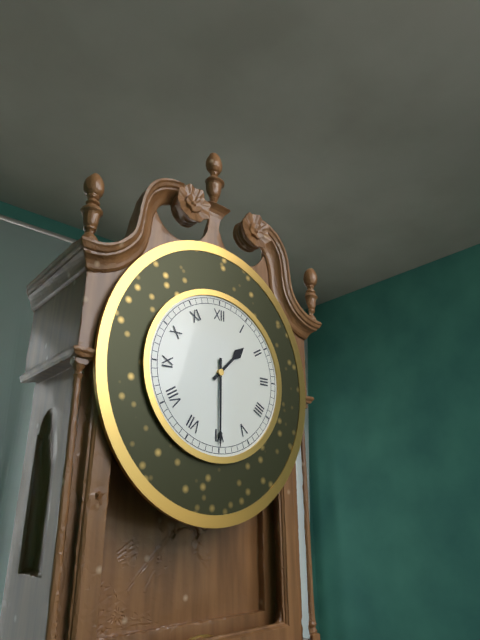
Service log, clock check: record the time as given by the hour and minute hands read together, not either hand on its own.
1:30
